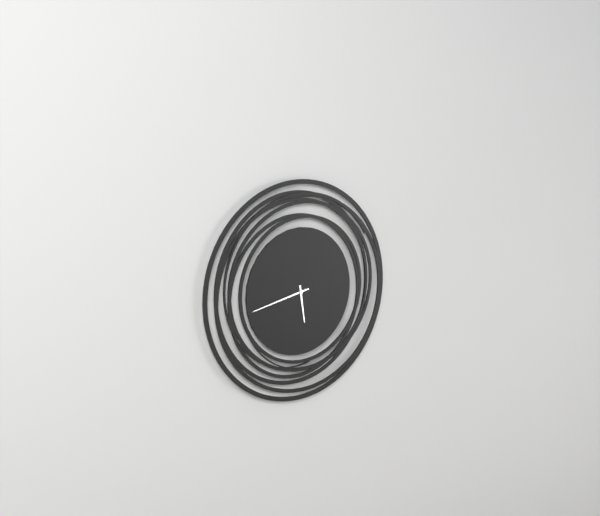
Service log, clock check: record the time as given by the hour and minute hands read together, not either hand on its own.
5:43
